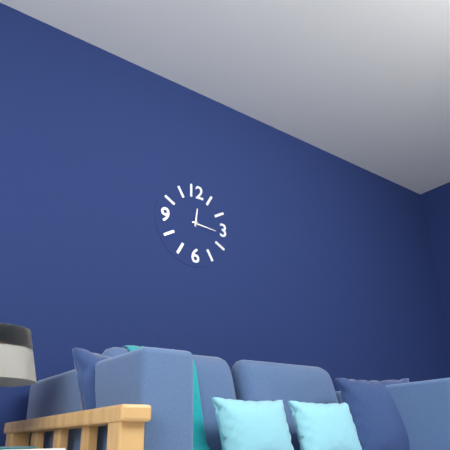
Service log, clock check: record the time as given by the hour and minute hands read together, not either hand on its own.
12:16
